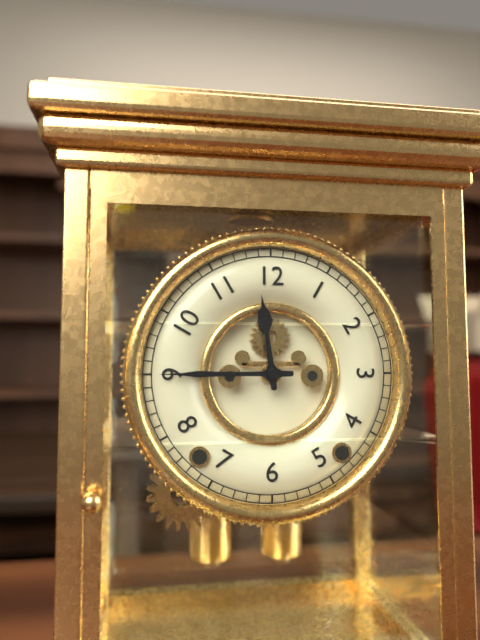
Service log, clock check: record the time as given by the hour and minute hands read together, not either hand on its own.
11:45
